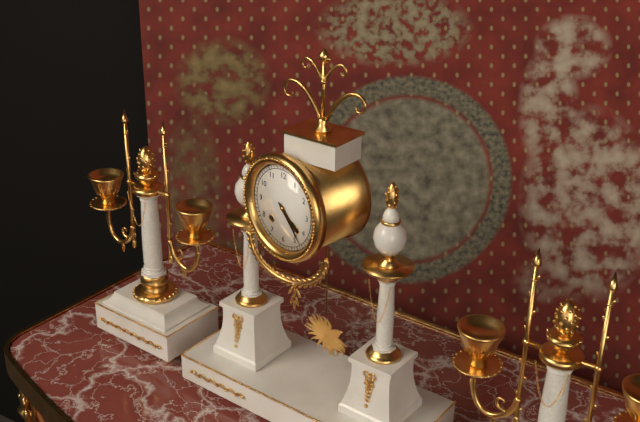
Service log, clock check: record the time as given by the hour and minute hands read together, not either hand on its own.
4:23
